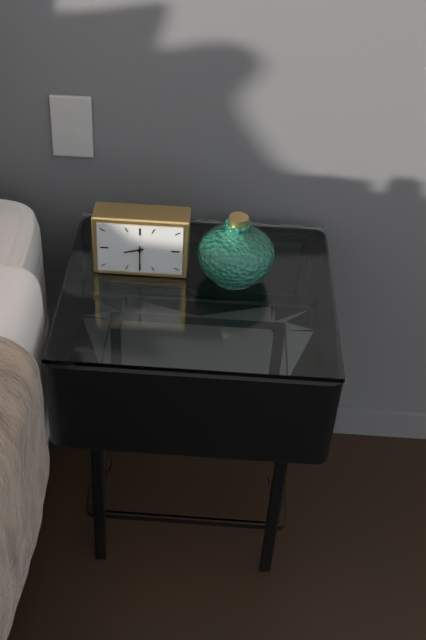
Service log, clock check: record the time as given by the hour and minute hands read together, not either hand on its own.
8:30
